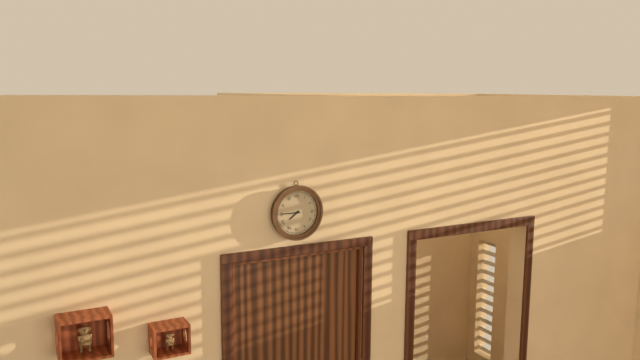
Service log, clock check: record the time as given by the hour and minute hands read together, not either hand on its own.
7:45
